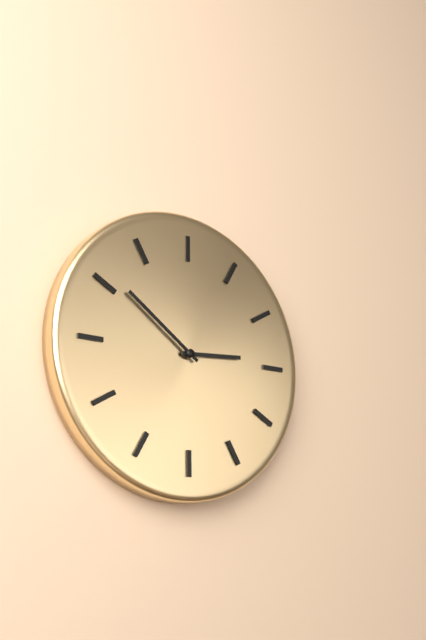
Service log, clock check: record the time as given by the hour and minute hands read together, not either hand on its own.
2:51
